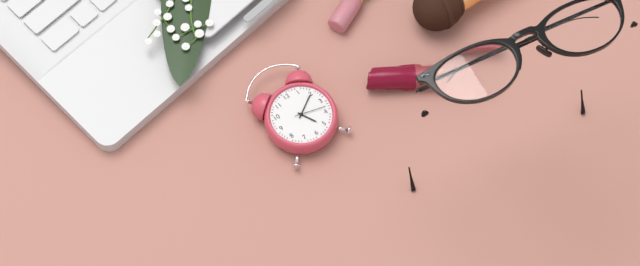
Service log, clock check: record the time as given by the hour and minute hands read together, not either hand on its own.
5:10
